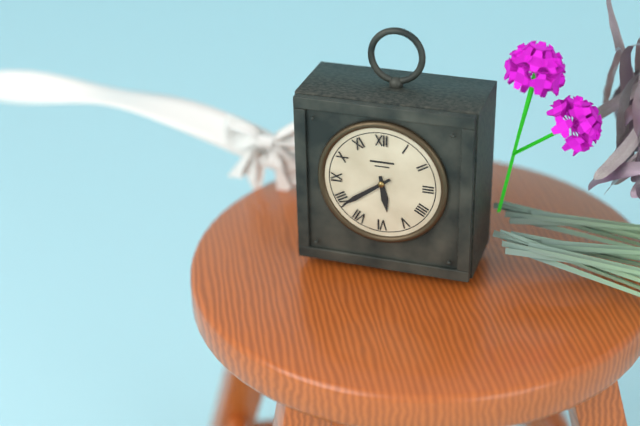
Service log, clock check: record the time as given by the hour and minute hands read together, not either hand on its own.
5:39
